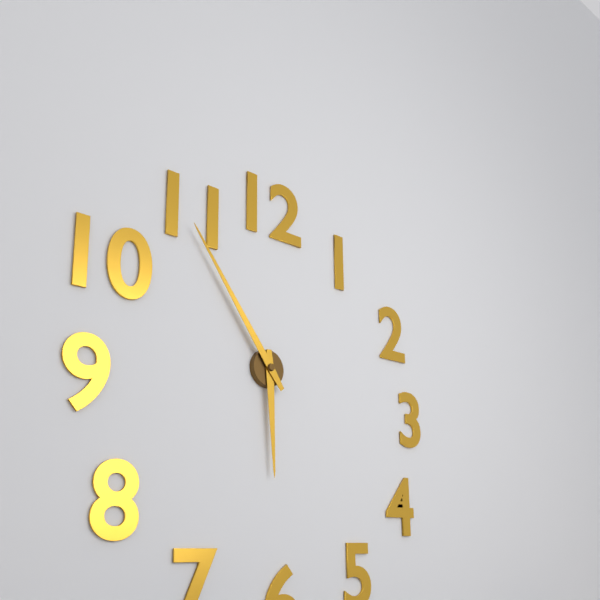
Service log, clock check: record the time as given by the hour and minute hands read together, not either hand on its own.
5:54
